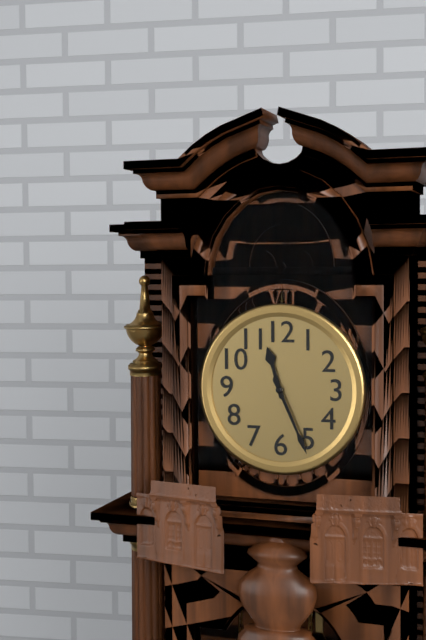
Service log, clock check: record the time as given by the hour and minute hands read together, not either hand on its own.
11:26
